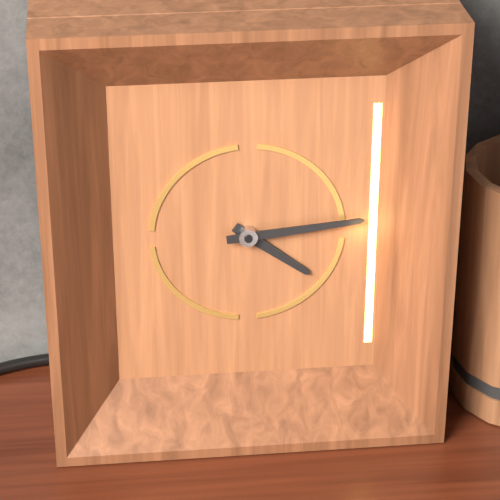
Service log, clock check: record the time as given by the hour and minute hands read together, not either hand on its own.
4:14
